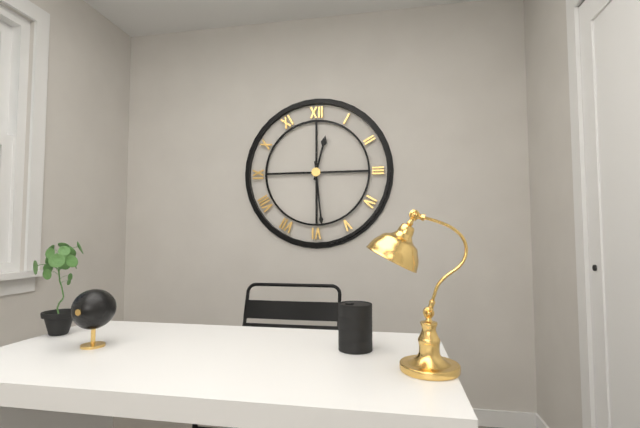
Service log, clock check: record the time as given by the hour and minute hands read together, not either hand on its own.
12:29
